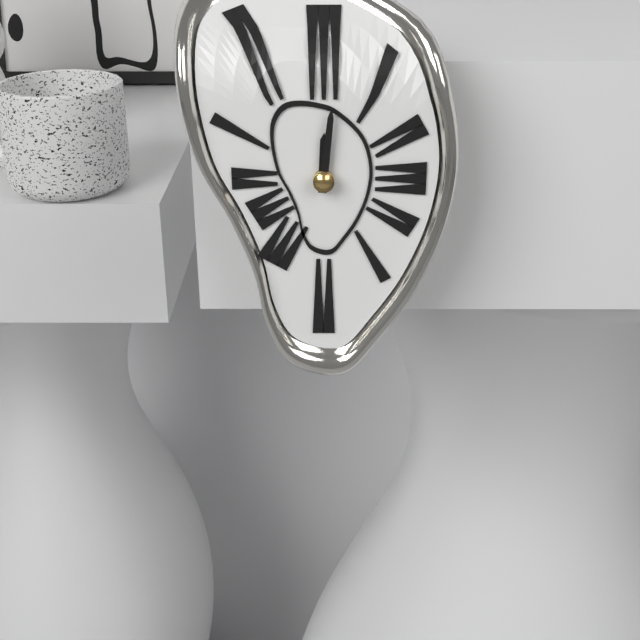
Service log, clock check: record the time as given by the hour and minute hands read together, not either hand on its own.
12:01
